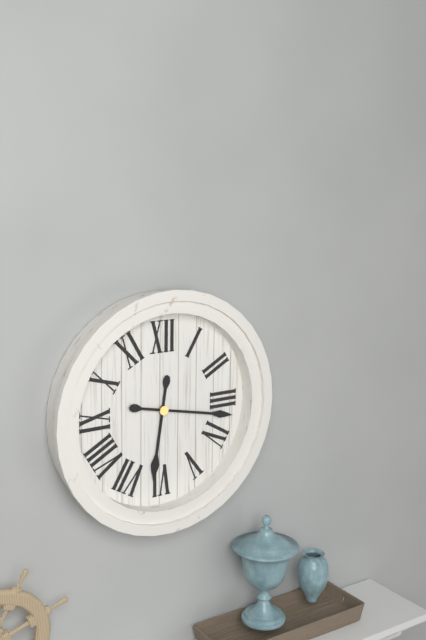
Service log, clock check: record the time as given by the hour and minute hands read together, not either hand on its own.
6:17
